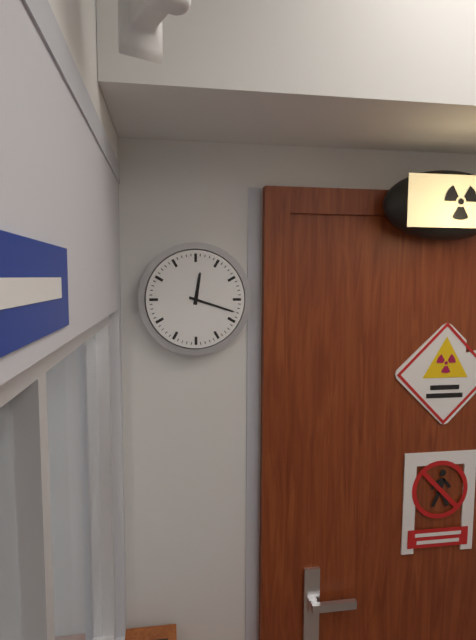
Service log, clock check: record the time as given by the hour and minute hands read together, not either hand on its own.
12:18
